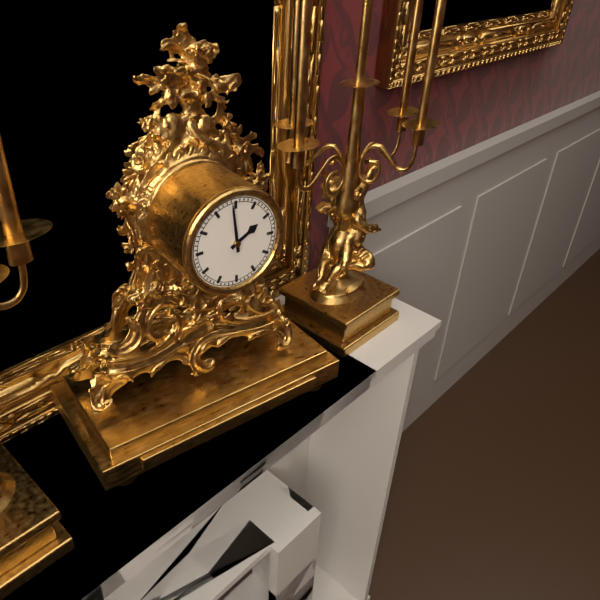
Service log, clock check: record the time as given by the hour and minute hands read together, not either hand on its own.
1:59
